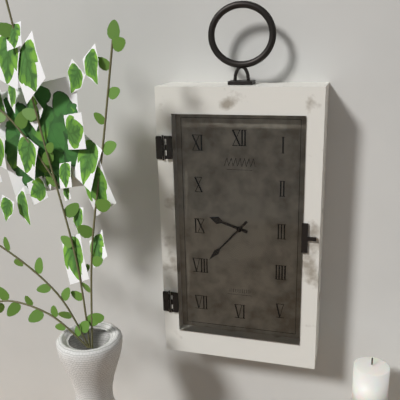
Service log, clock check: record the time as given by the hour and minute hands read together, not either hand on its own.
9:37
